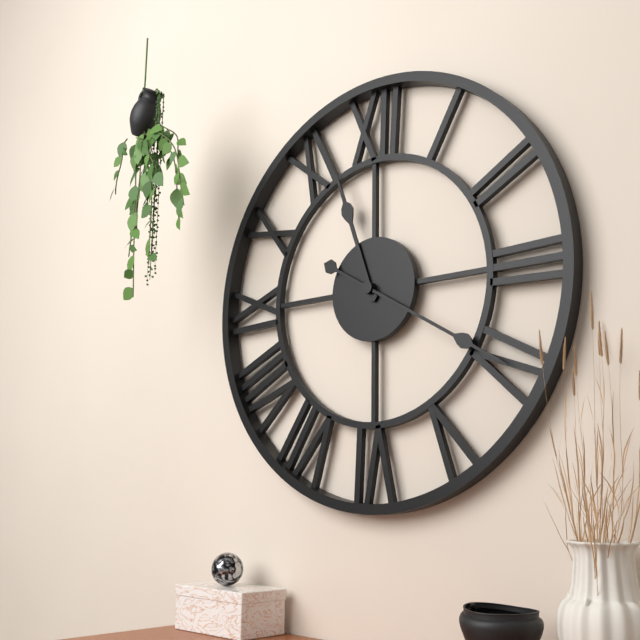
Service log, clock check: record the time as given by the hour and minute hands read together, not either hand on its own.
11:20
